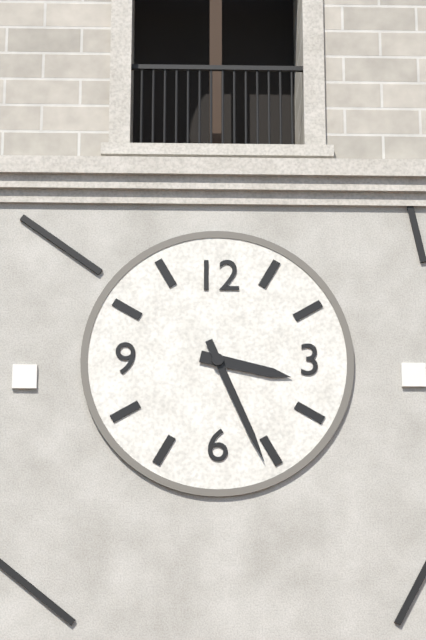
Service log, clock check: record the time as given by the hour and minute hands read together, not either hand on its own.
3:26
